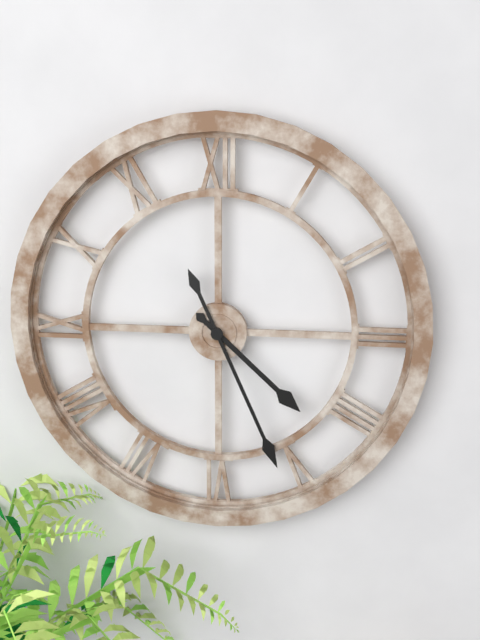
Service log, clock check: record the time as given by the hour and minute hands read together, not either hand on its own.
4:26
